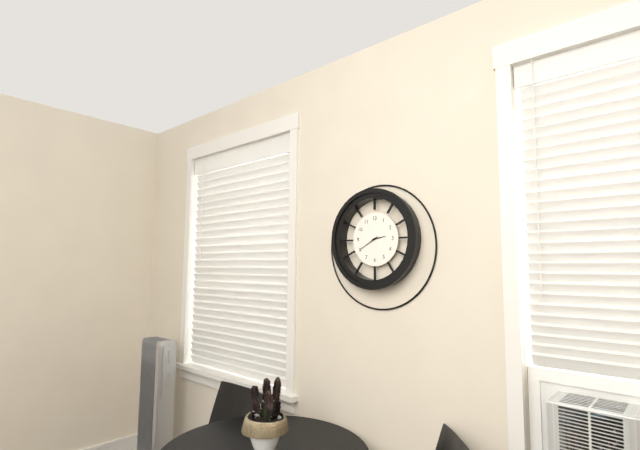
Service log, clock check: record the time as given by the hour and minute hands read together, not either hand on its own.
2:40
